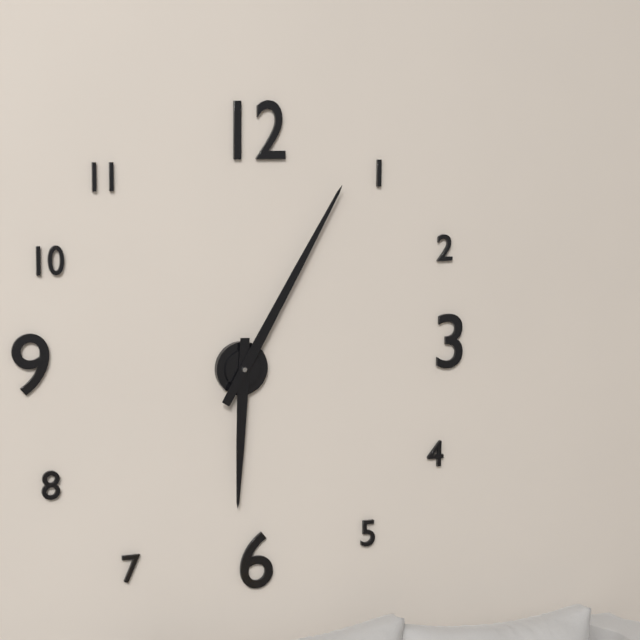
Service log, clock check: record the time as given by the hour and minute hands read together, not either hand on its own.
6:05
